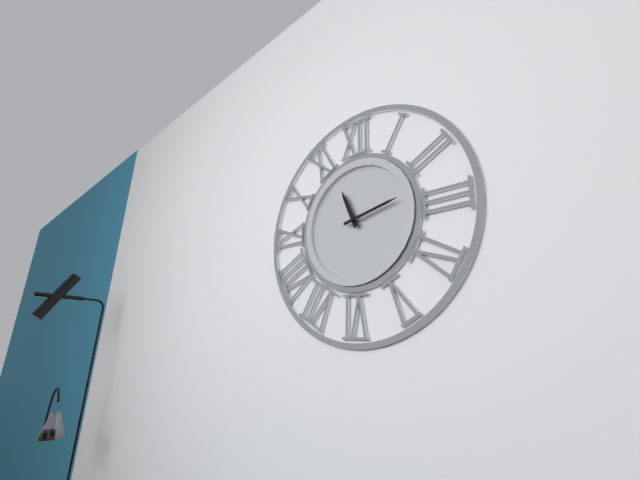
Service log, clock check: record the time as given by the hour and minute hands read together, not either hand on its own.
11:13
